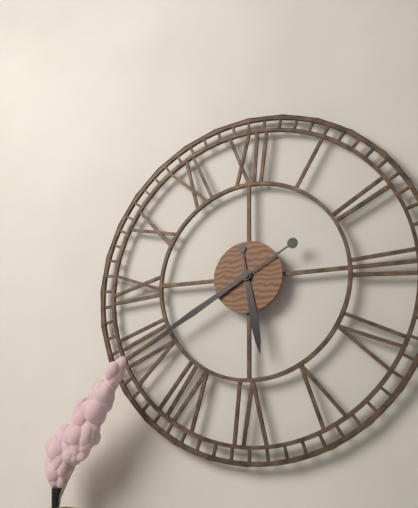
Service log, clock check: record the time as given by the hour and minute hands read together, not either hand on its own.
5:40
